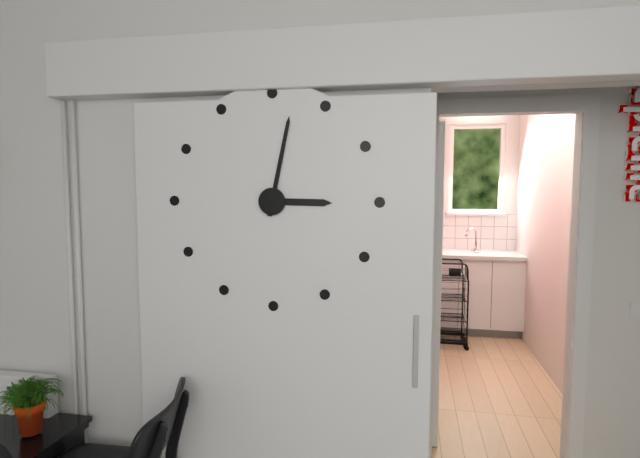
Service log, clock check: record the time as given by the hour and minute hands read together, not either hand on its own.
3:02
